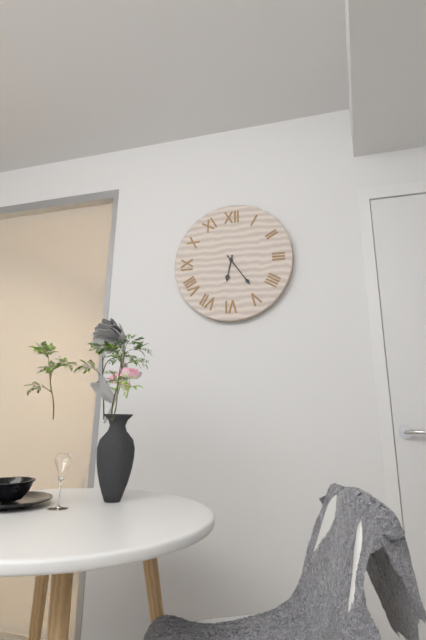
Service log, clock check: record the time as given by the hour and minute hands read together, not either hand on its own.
6:24
